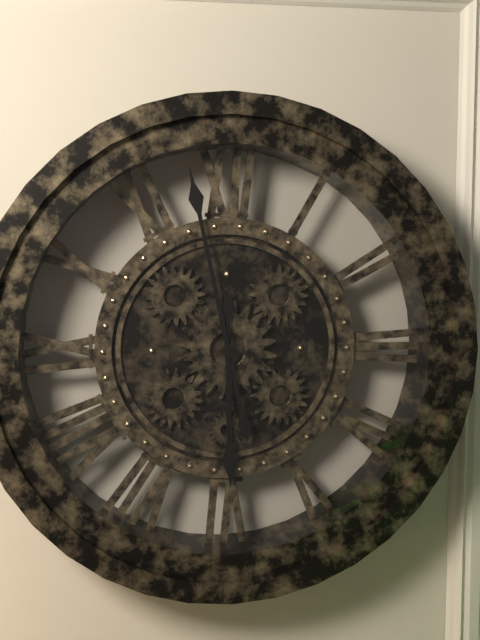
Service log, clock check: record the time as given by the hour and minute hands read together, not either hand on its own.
5:58
